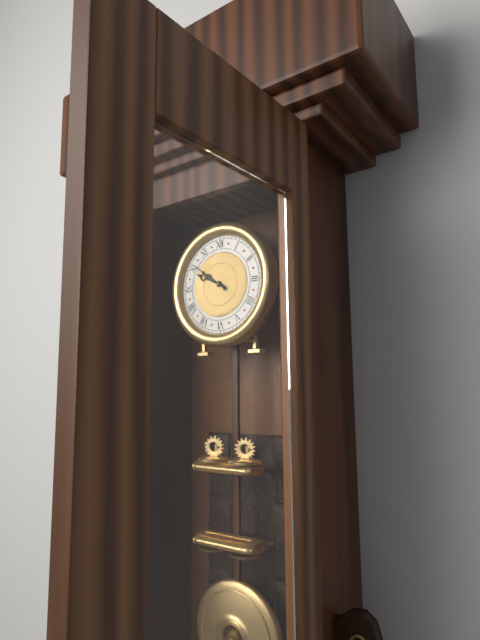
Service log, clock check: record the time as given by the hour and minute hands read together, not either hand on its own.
9:51
